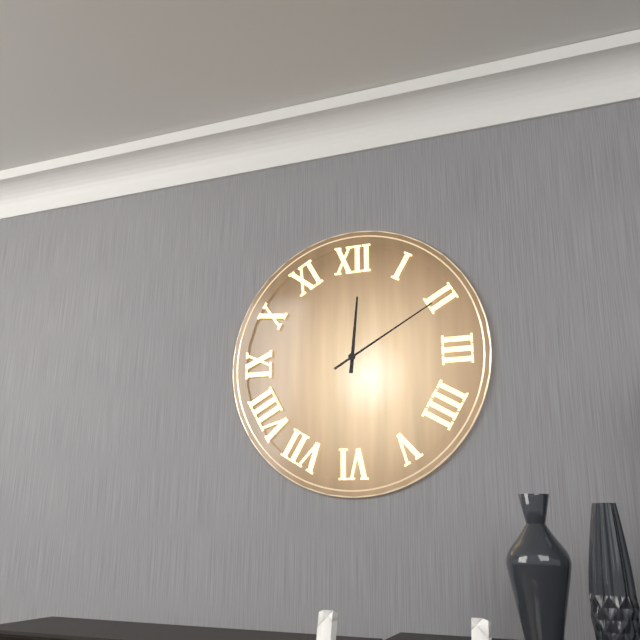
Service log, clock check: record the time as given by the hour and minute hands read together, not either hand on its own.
12:10
